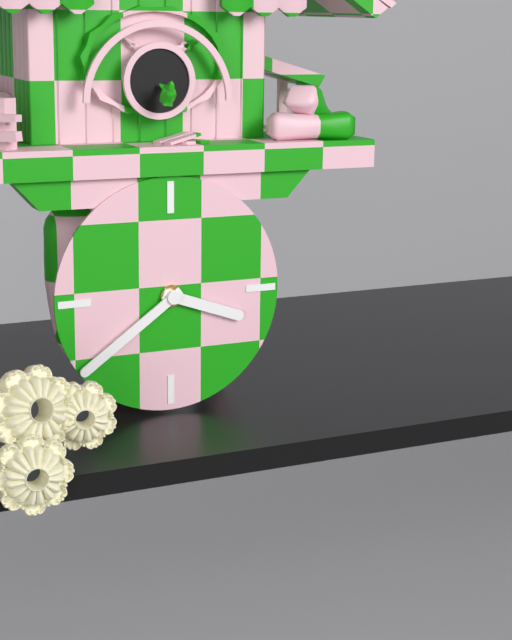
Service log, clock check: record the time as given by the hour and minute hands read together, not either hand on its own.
3:39
